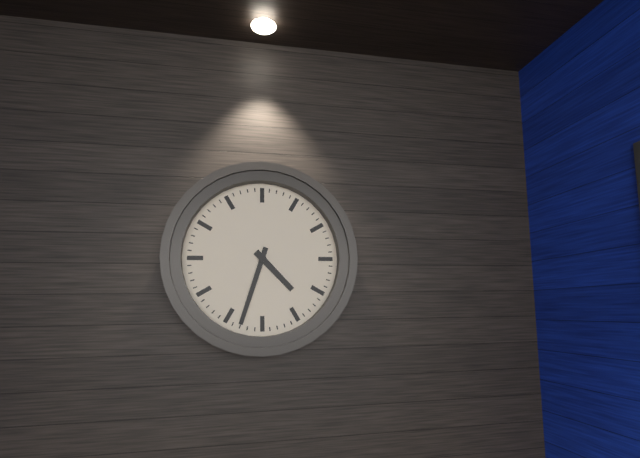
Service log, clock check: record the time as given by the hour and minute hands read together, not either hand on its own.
4:33
